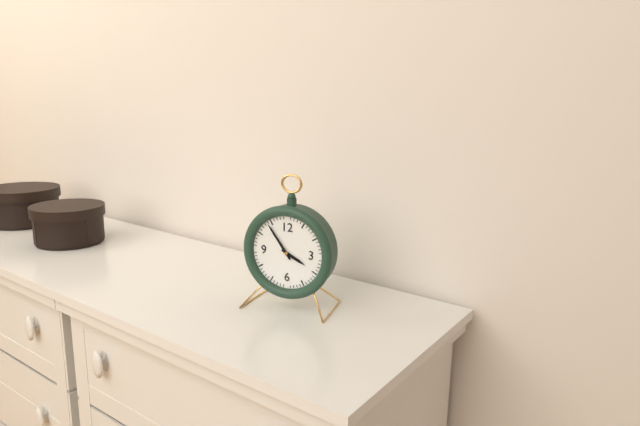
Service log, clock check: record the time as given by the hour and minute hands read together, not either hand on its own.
3:54
